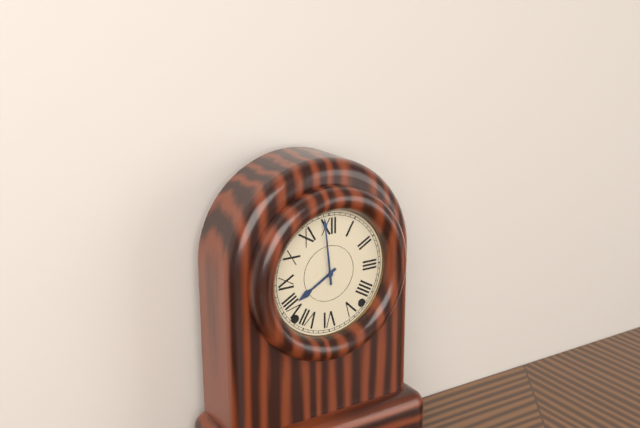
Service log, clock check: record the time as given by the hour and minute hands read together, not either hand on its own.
7:59
